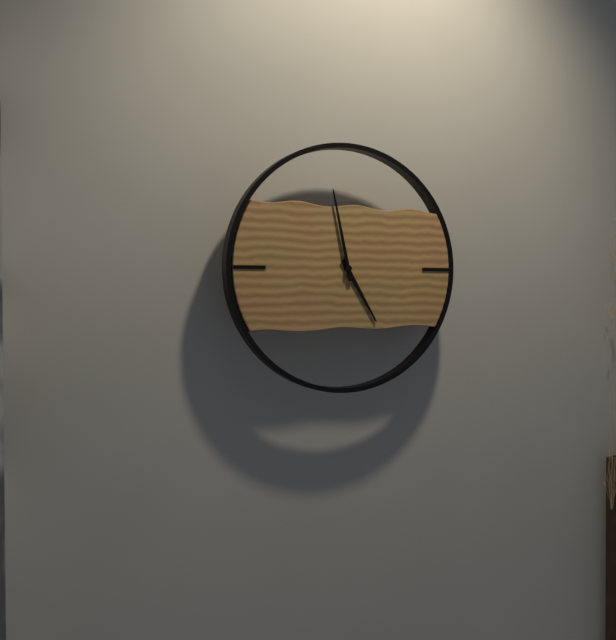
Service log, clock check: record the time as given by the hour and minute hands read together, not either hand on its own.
4:58
